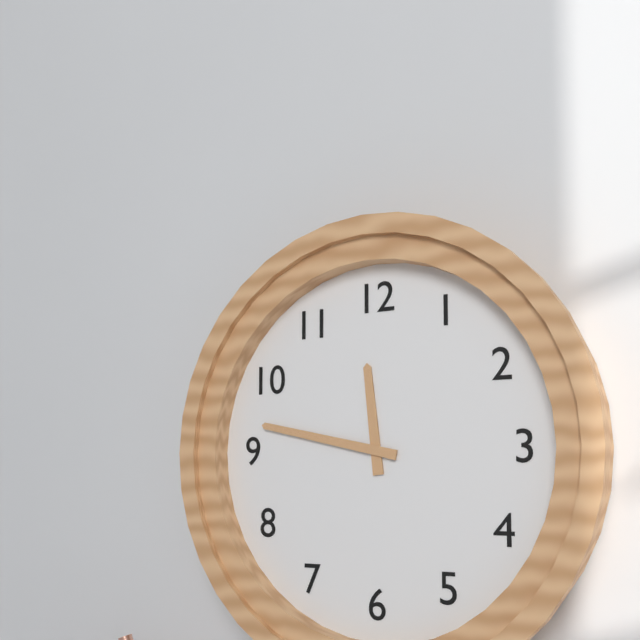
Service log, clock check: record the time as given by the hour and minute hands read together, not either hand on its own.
11:47
